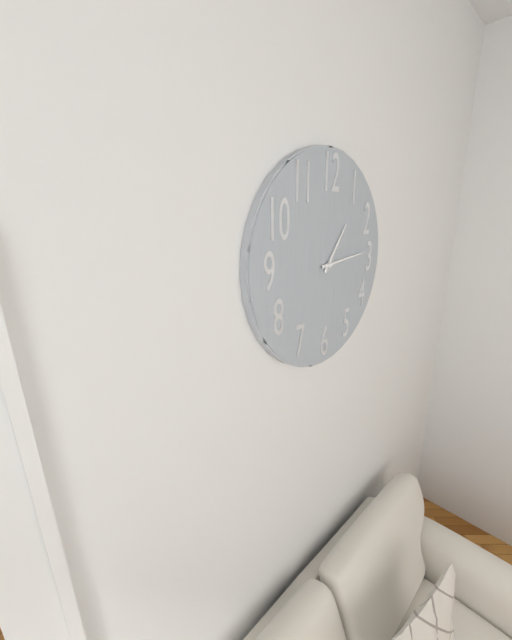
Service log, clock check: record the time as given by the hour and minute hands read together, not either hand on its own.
1:14
